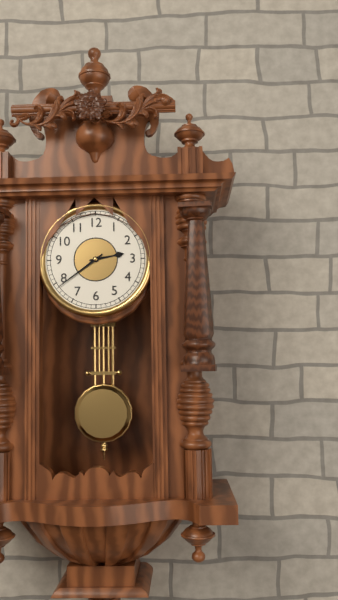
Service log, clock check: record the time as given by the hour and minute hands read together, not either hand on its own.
2:39
